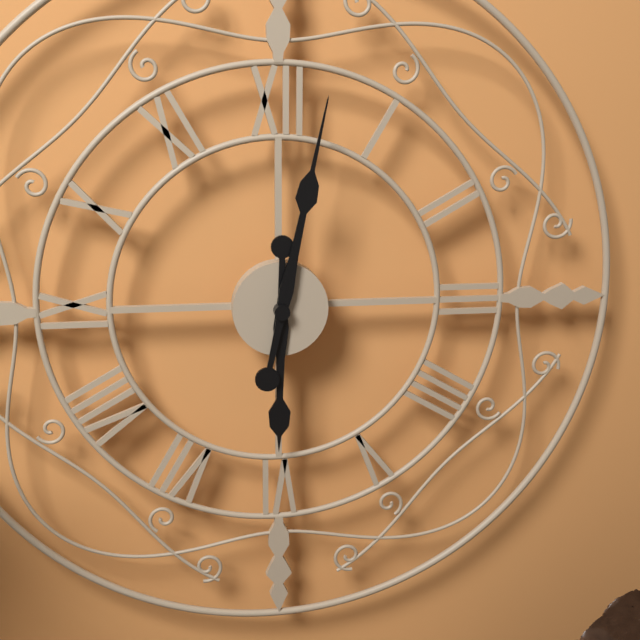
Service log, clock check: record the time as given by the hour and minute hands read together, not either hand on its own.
6:02
